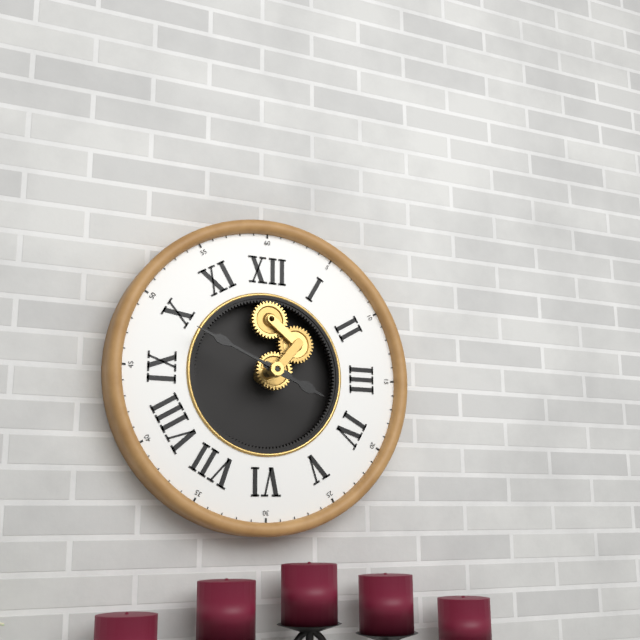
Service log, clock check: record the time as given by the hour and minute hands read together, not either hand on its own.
3:49
